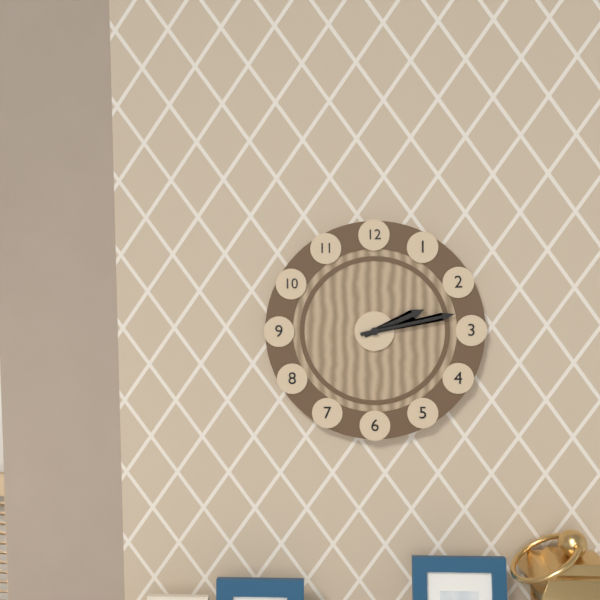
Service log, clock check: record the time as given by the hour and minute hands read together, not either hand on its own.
2:13
